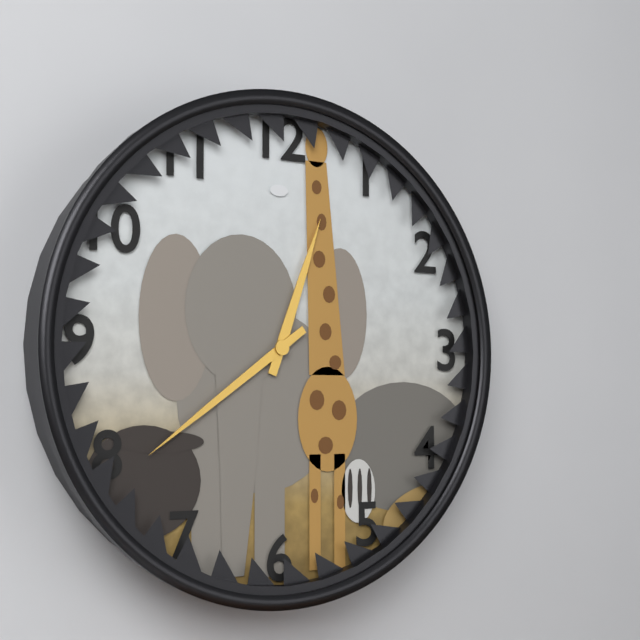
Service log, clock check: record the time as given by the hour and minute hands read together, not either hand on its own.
12:39
